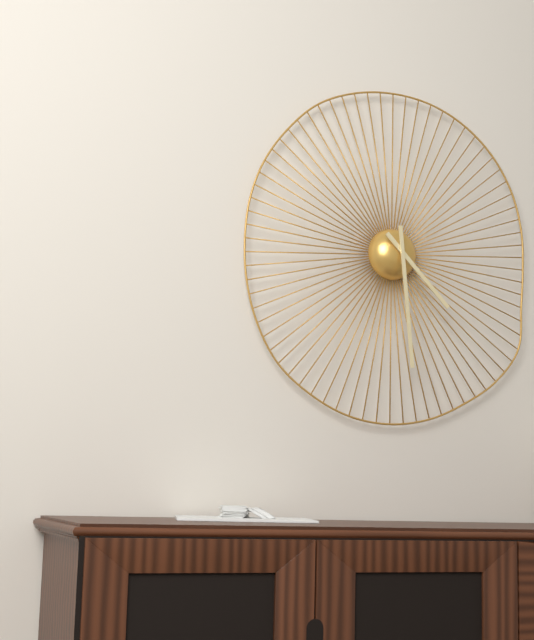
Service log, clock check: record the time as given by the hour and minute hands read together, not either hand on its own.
4:29
